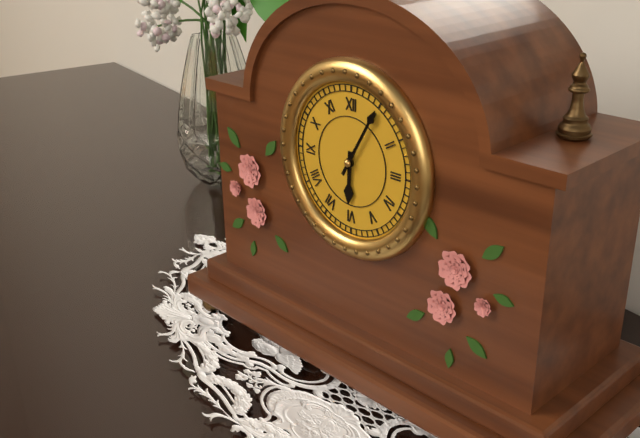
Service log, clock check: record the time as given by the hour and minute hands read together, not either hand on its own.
6:05
